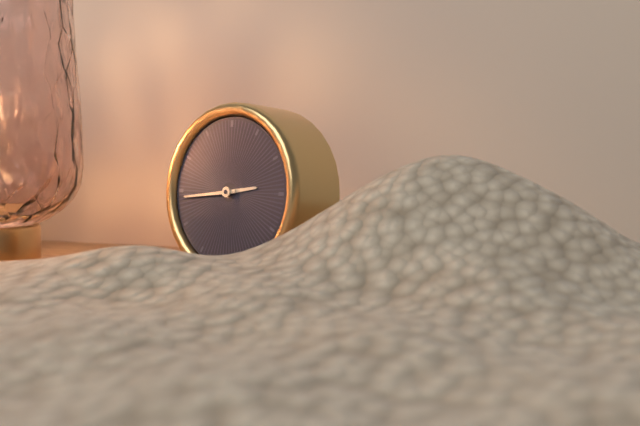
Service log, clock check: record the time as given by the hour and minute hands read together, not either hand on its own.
2:44
